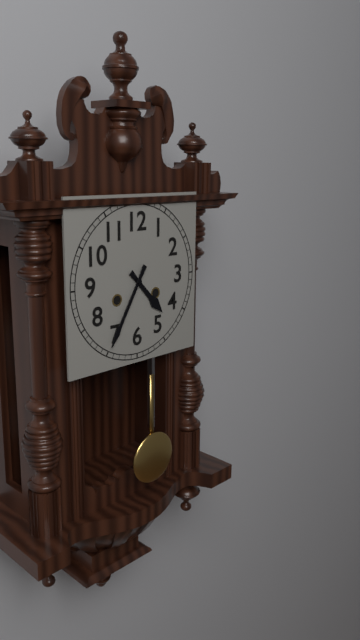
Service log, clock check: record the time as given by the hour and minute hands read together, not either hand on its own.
4:35
